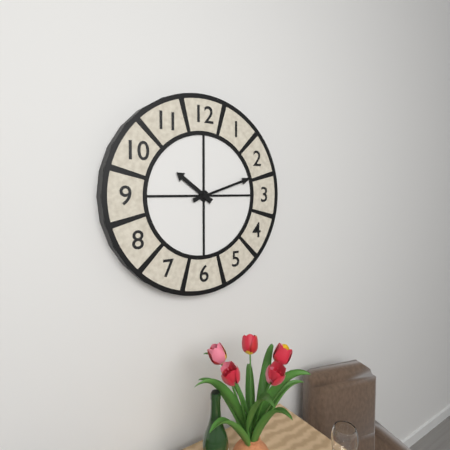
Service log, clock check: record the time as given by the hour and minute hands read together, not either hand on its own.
10:12
